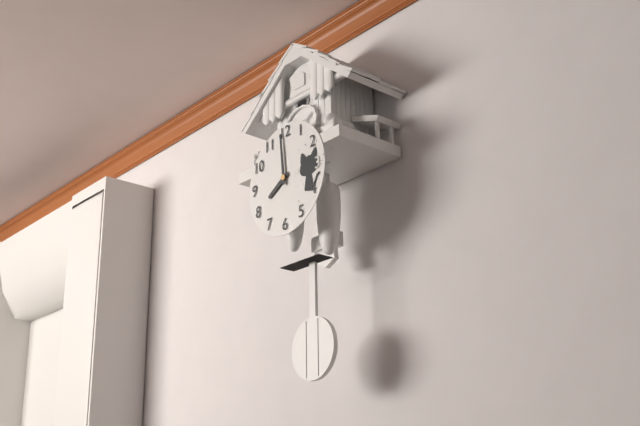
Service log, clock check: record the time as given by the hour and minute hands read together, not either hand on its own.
7:59
